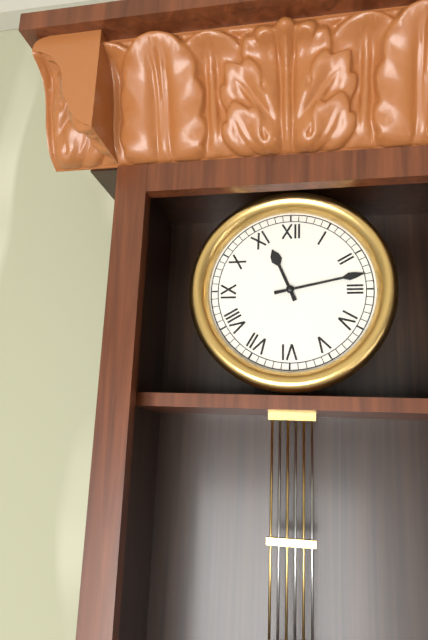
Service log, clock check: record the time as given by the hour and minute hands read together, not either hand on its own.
11:13
